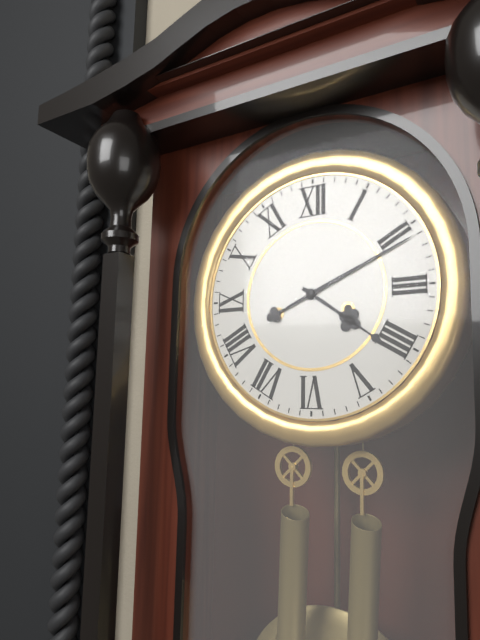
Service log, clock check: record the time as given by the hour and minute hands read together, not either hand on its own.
4:11
